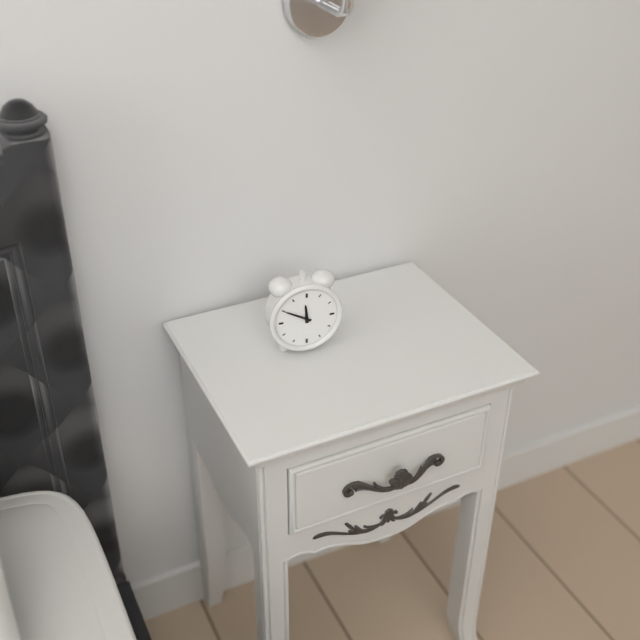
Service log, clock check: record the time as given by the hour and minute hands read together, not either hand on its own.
11:50
